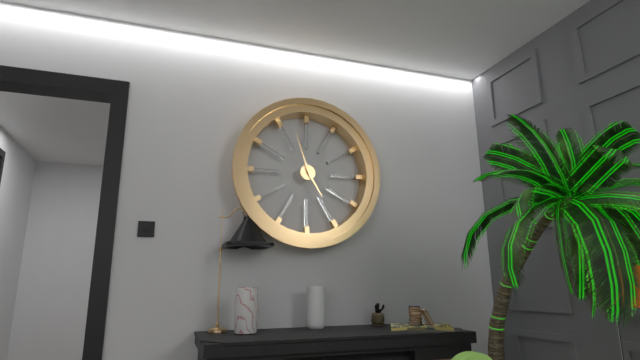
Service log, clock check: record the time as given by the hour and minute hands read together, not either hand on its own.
4:57
